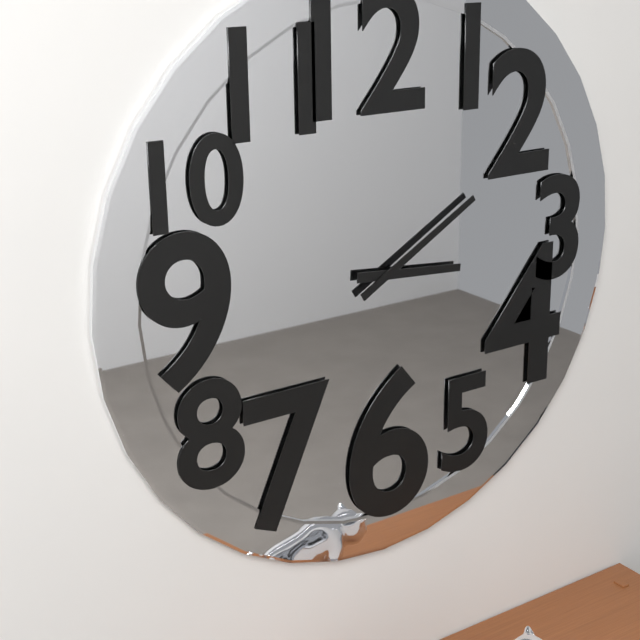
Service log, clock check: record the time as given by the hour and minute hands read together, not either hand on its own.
3:10
